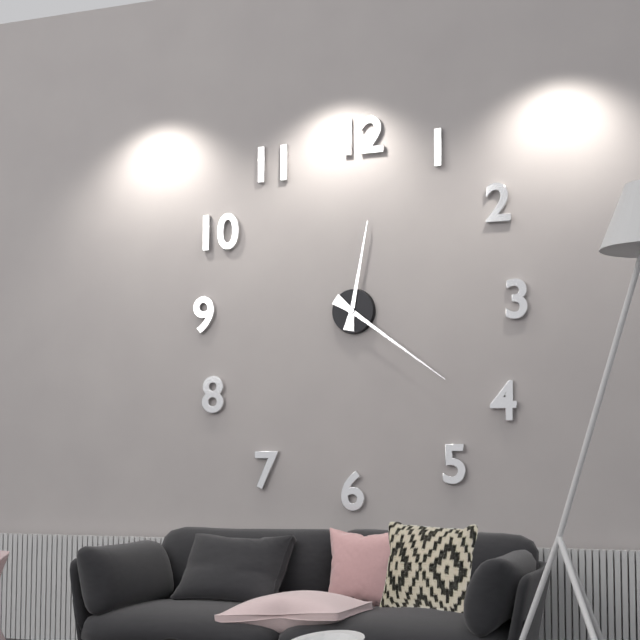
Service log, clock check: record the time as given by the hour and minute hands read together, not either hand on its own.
12:21
